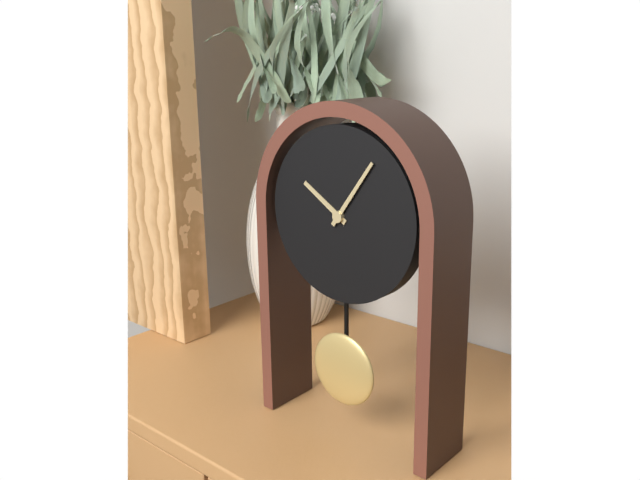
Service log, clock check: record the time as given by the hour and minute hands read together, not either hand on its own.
10:06
